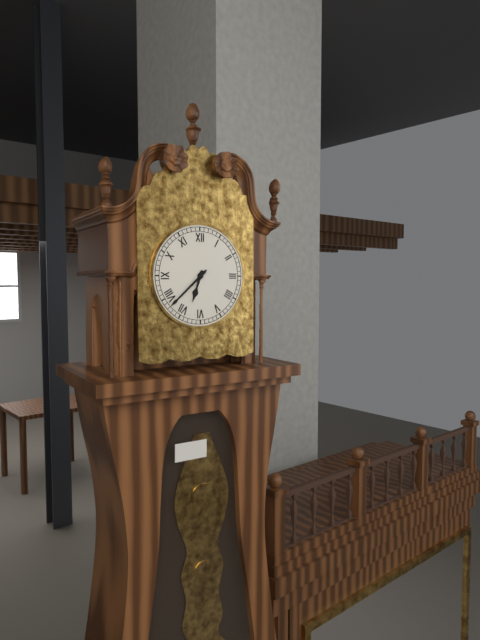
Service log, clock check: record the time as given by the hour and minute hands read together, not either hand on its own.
6:38
